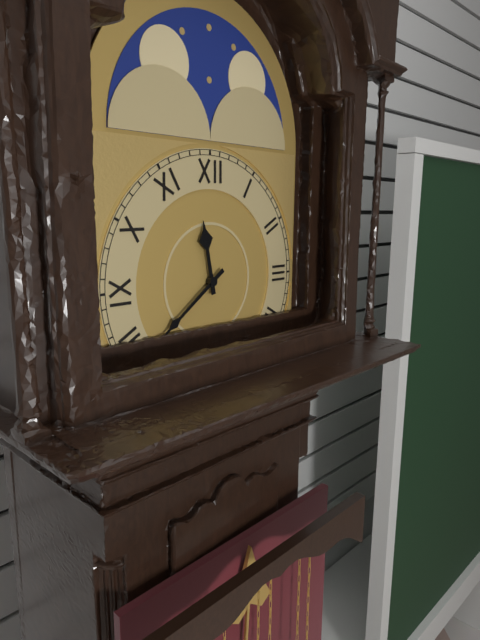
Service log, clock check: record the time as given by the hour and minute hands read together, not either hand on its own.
11:39
